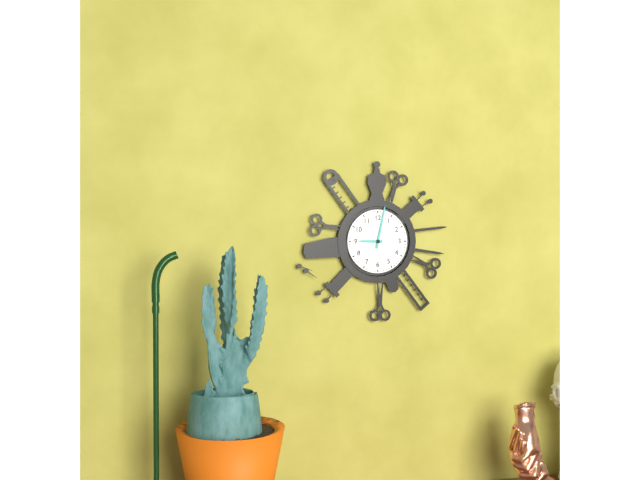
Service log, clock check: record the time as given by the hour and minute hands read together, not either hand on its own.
9:02
